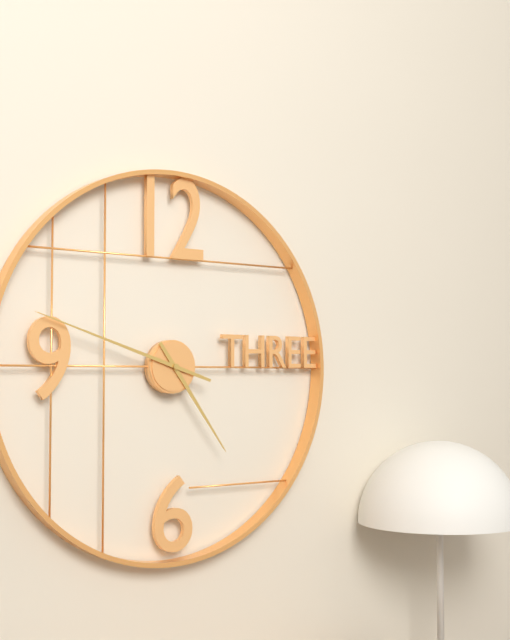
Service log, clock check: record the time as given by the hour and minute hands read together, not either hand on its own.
4:48
